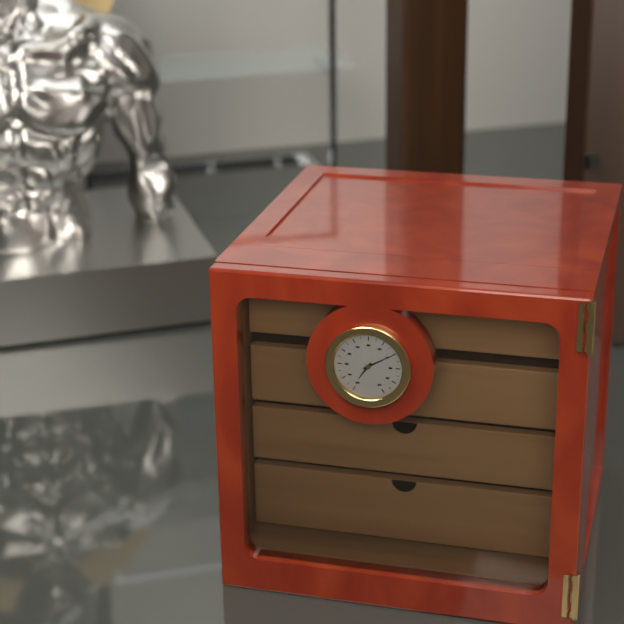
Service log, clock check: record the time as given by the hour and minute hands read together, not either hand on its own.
7:10
